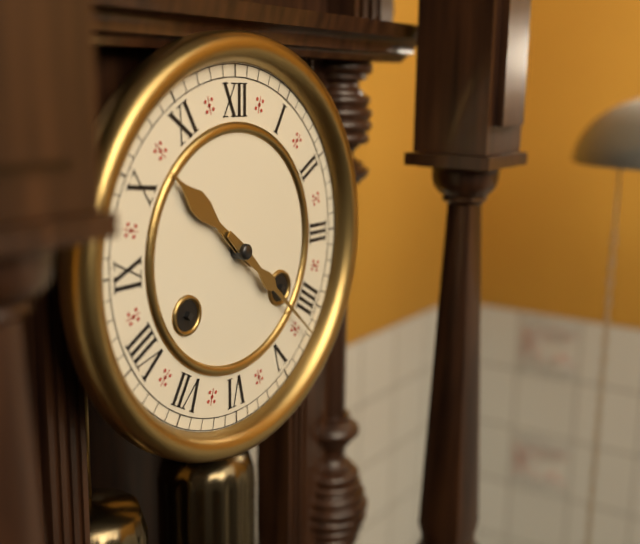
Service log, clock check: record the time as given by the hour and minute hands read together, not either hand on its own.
10:22
